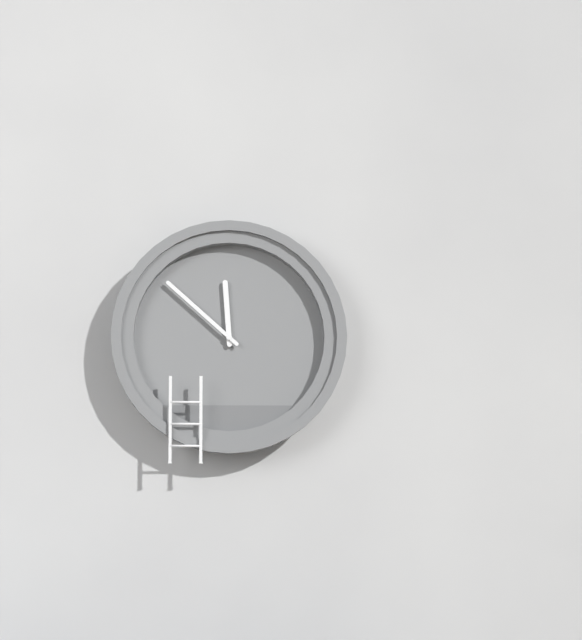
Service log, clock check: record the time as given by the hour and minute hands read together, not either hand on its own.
11:52
